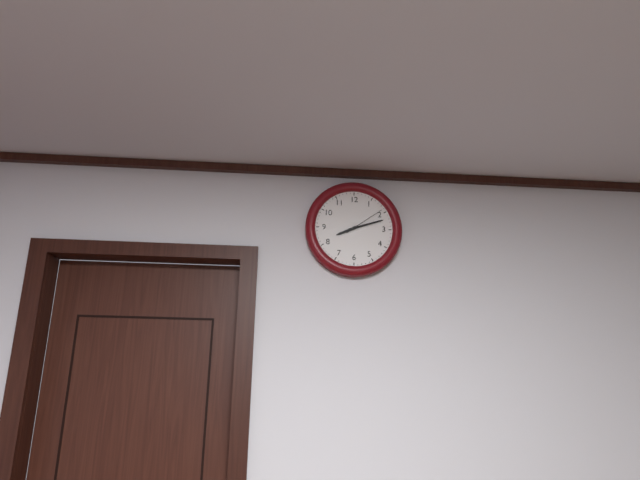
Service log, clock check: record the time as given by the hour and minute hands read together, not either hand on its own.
8:12
